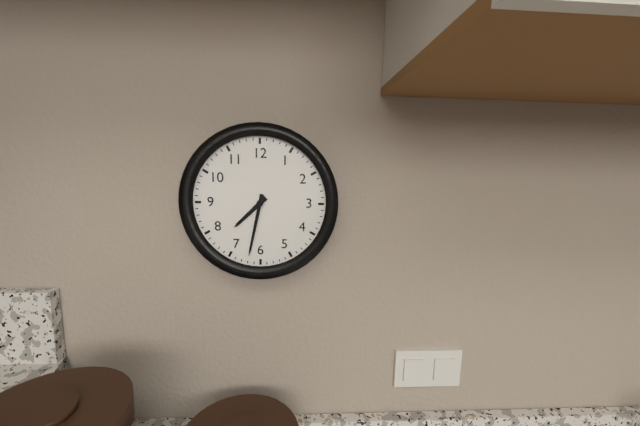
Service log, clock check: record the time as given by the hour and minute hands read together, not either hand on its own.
7:32
